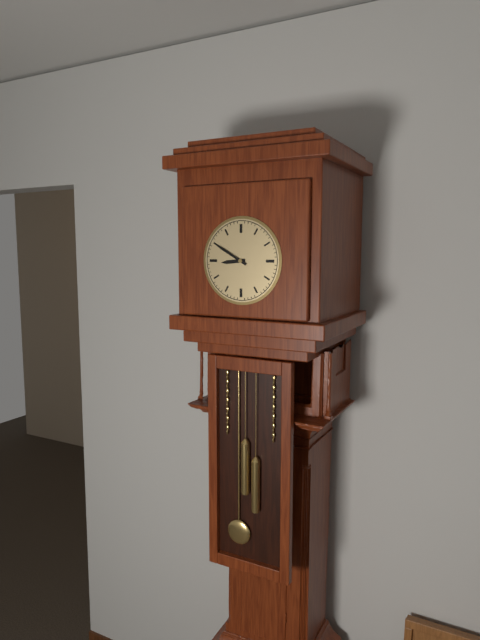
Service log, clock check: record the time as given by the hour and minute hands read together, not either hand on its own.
8:50
